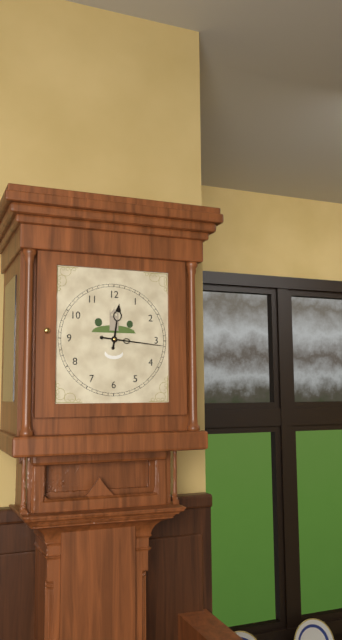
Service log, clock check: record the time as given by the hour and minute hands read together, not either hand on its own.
12:16
